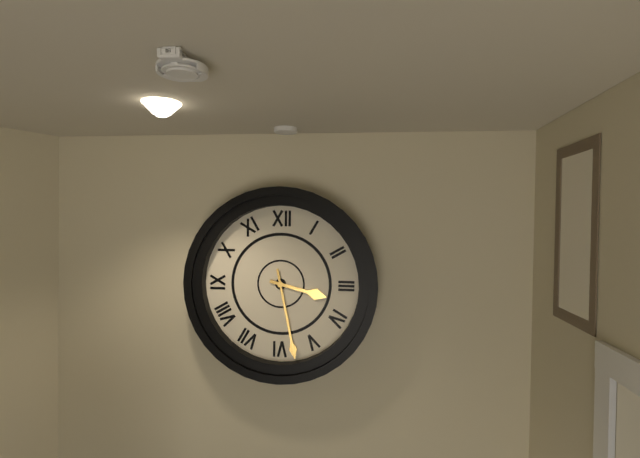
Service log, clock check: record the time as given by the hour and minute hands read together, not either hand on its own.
3:28
